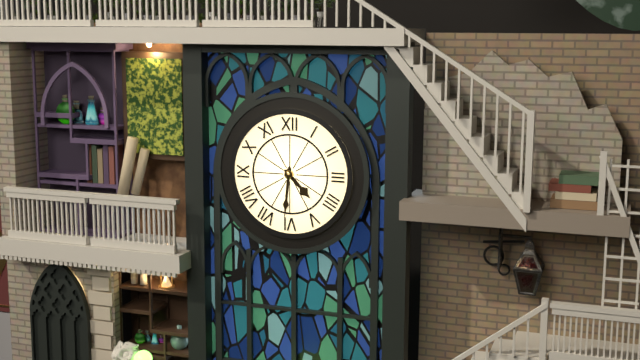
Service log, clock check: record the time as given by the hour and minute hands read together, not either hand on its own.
4:31
